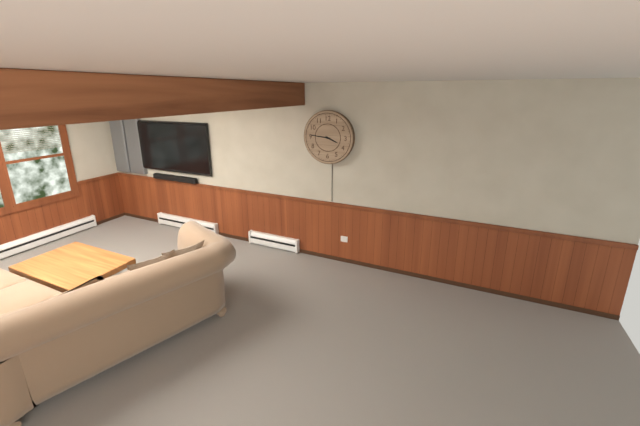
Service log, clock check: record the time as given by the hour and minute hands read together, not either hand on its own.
3:46
